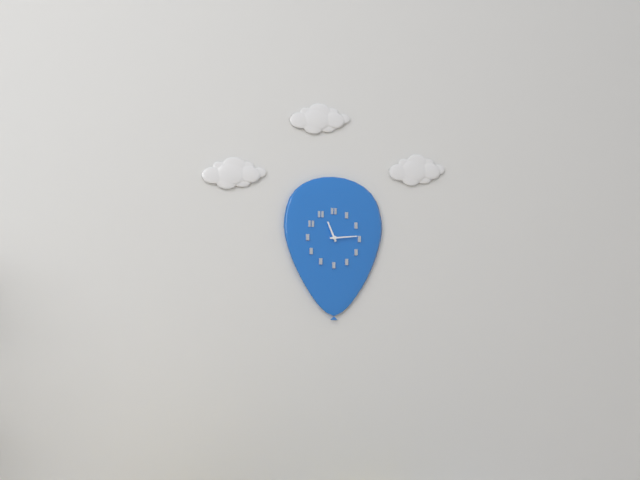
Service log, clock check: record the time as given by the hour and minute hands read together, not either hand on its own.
11:14
